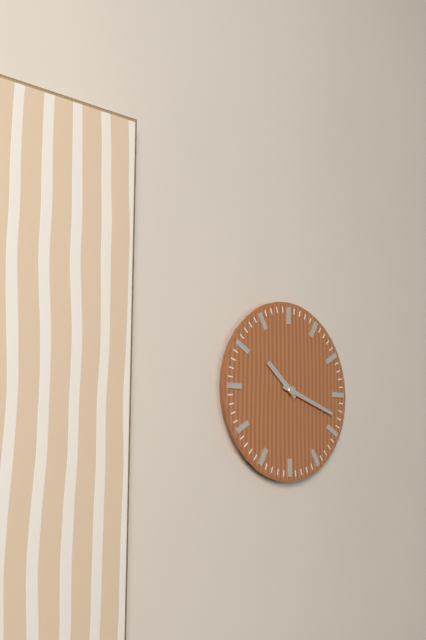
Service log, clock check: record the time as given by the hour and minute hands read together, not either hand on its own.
10:18
